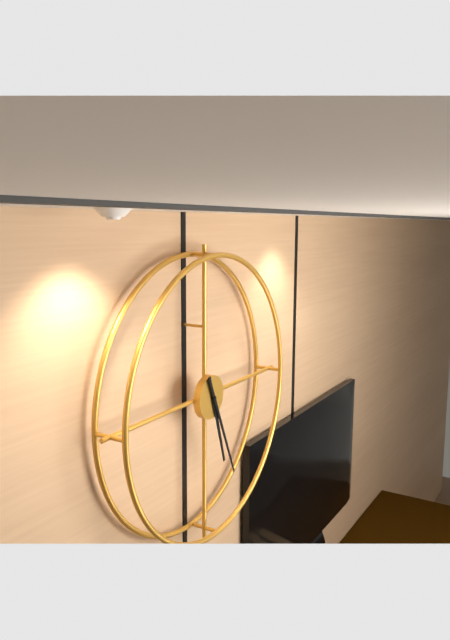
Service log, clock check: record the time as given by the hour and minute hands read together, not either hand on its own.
5:26
